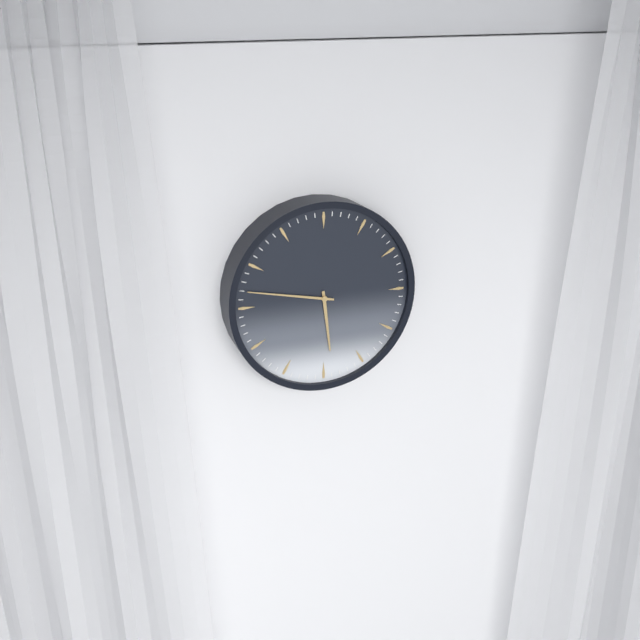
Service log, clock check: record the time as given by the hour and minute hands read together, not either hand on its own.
5:47
